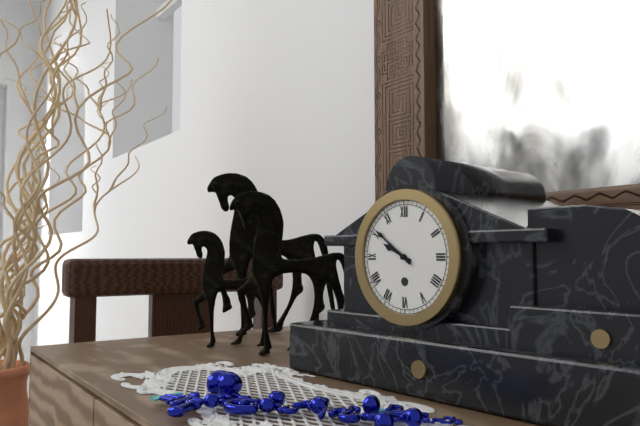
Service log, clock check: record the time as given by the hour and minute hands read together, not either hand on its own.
9:51
